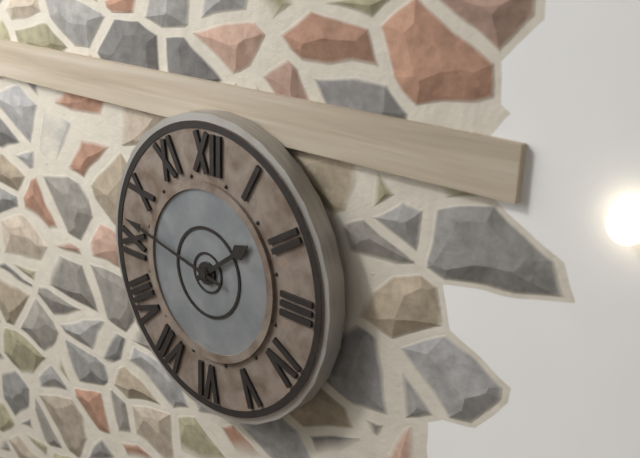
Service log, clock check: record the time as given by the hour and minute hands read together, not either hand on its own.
1:47
